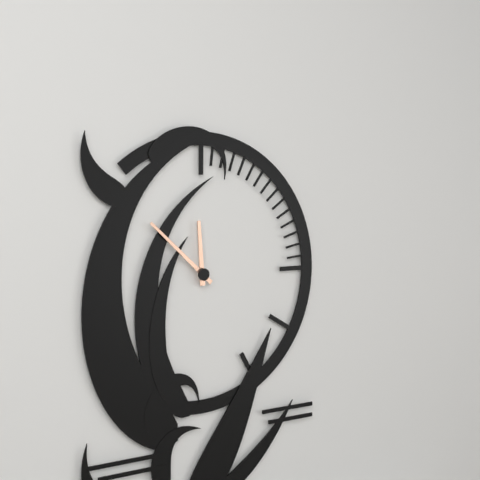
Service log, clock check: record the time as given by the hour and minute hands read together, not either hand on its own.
11:52
